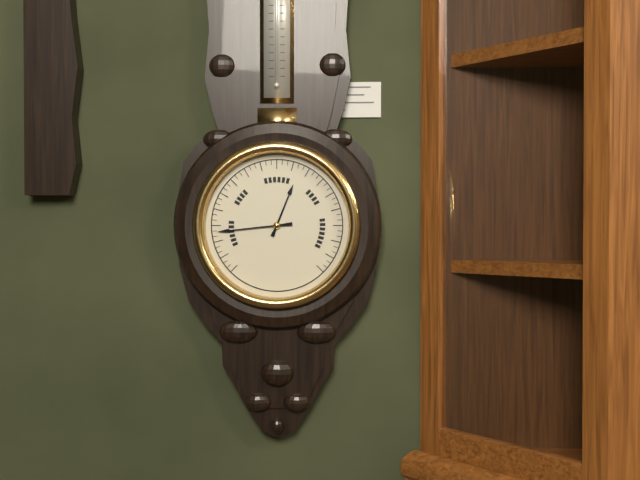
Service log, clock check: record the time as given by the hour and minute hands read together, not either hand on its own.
12:44
